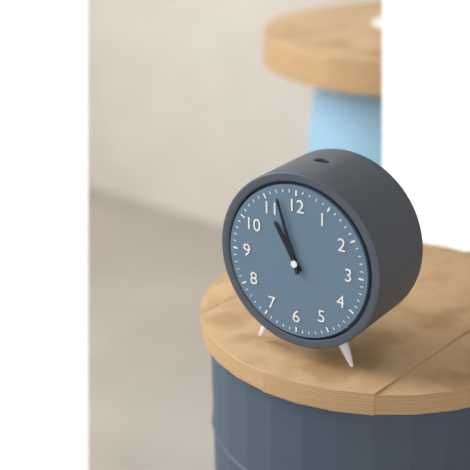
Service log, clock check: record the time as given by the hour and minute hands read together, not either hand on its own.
10:57
